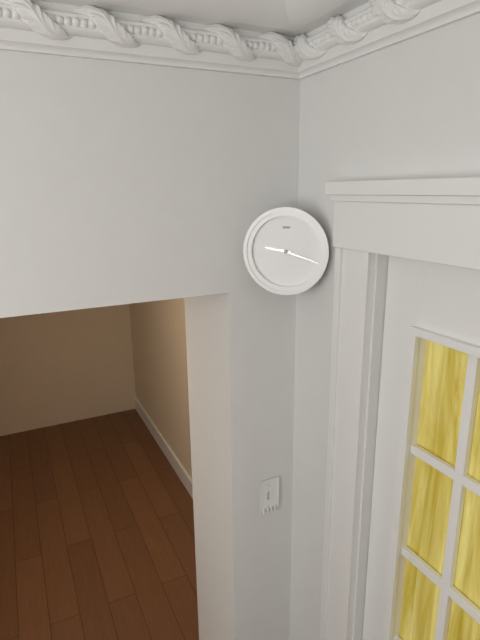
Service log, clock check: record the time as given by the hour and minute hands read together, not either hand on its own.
9:18
